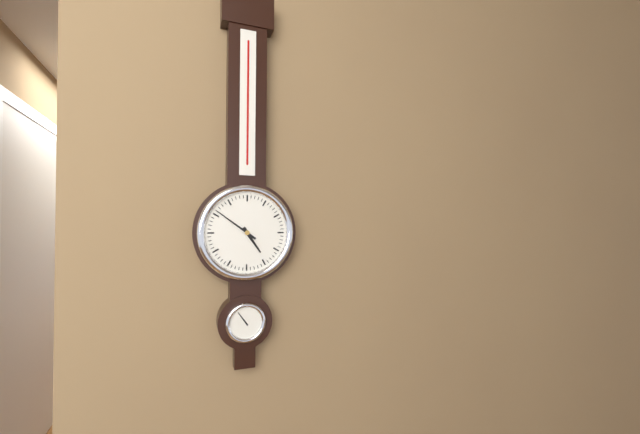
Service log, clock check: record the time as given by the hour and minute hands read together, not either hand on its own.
4:51
